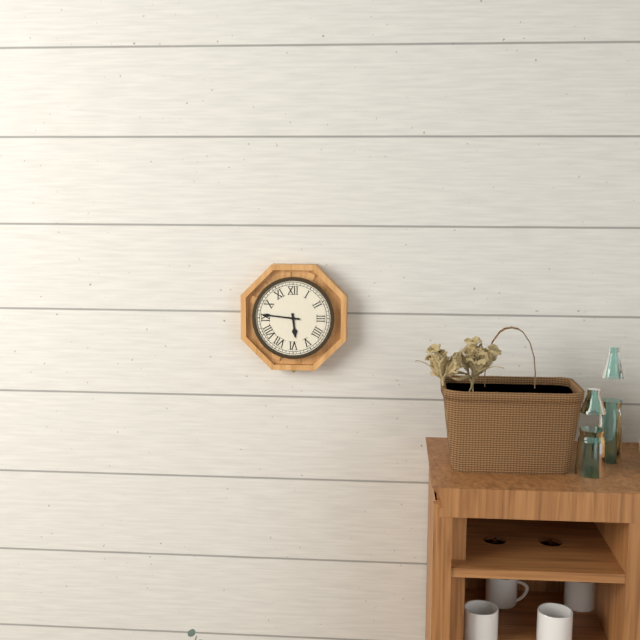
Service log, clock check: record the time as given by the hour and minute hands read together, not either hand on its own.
5:46
